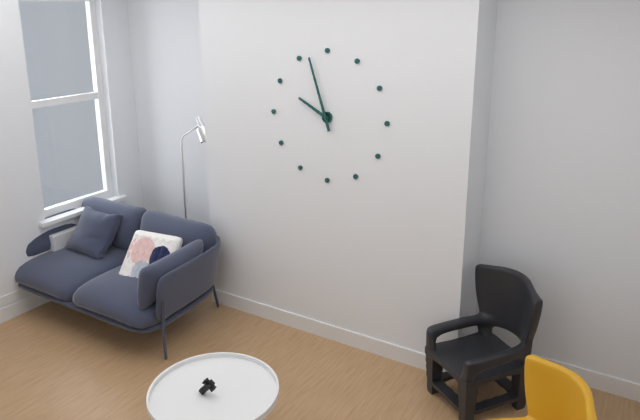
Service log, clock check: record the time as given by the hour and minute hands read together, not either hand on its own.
9:57
